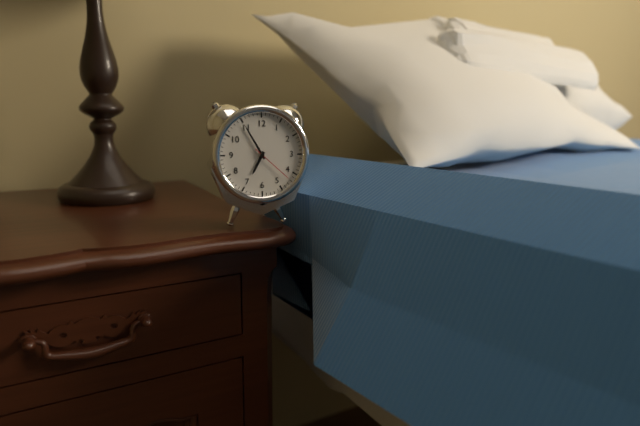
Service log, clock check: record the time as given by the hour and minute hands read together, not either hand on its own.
6:55
